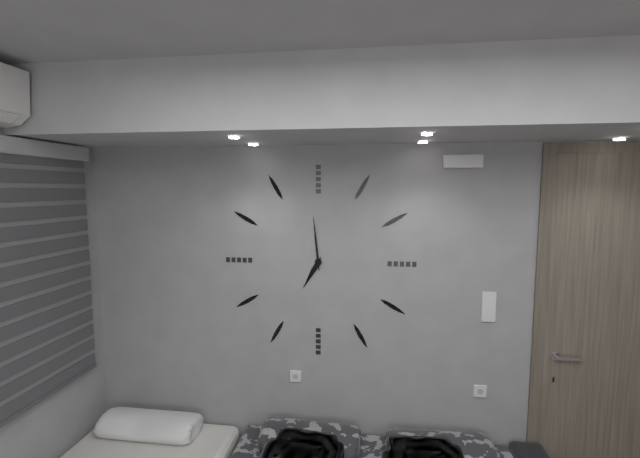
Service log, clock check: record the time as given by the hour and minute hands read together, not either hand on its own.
6:59
